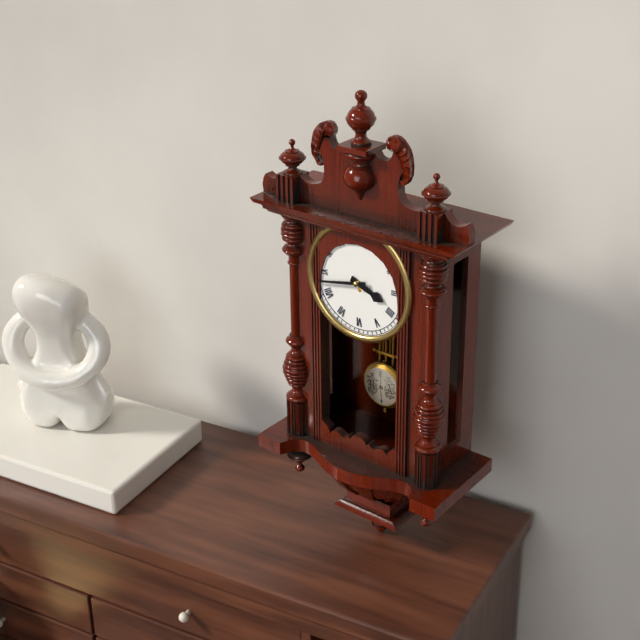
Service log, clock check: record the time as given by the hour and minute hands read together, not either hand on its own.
3:43
